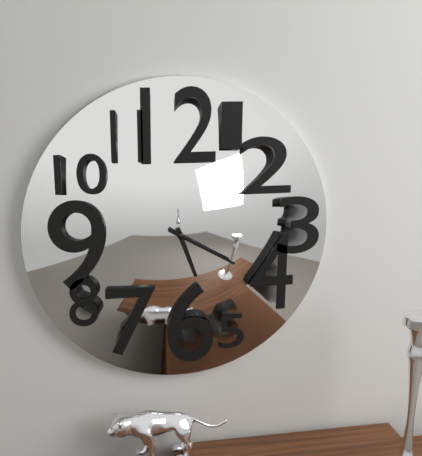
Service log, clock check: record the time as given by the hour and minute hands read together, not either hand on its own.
5:20
